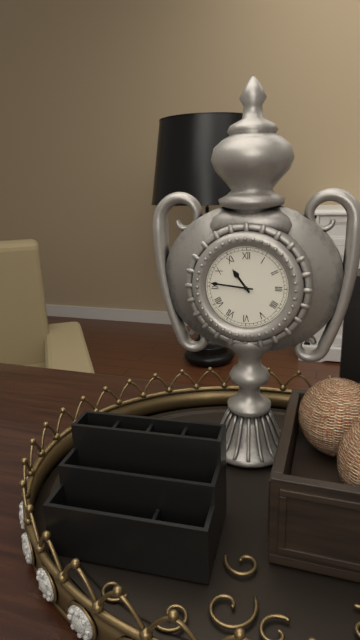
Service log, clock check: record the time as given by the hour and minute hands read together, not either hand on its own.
10:46
